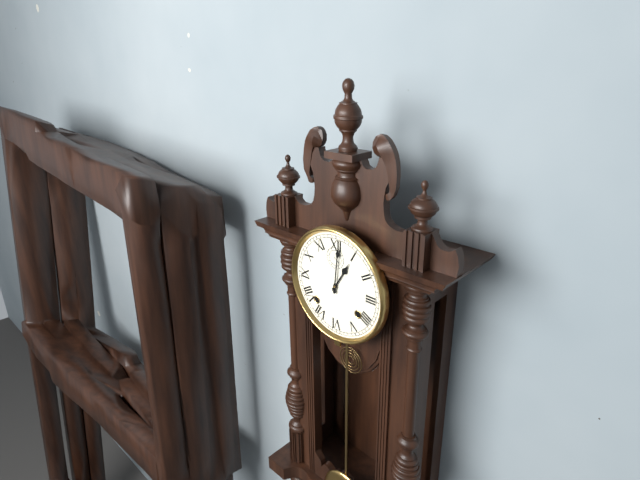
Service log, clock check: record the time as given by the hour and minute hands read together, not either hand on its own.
1:01
